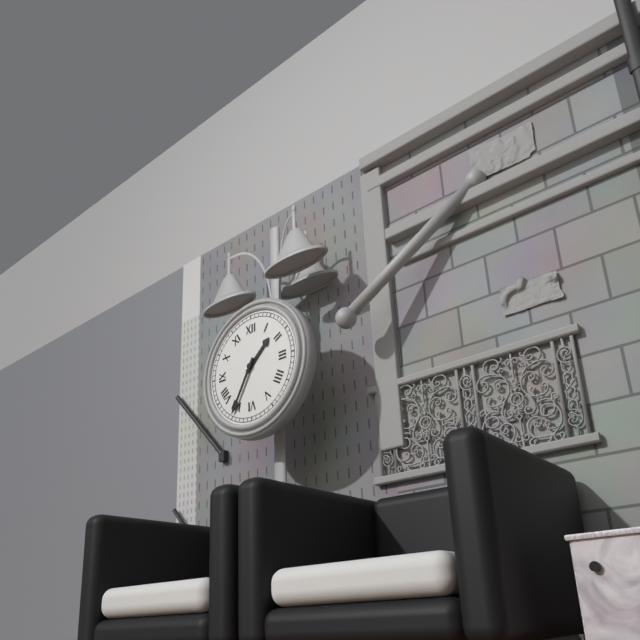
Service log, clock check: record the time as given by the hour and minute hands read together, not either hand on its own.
1:35
